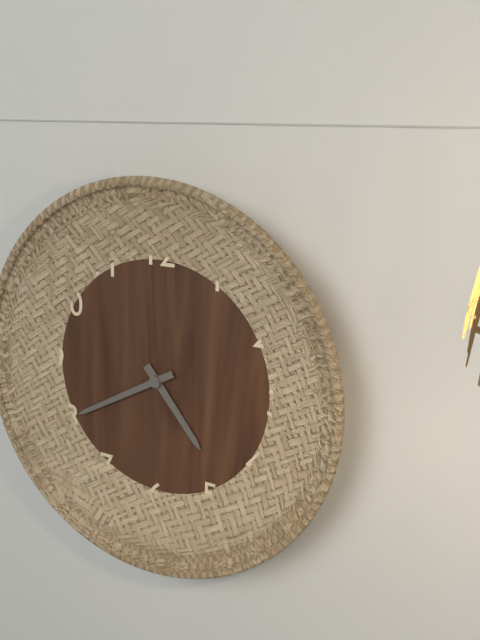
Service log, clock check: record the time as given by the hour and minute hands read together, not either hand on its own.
4:40
